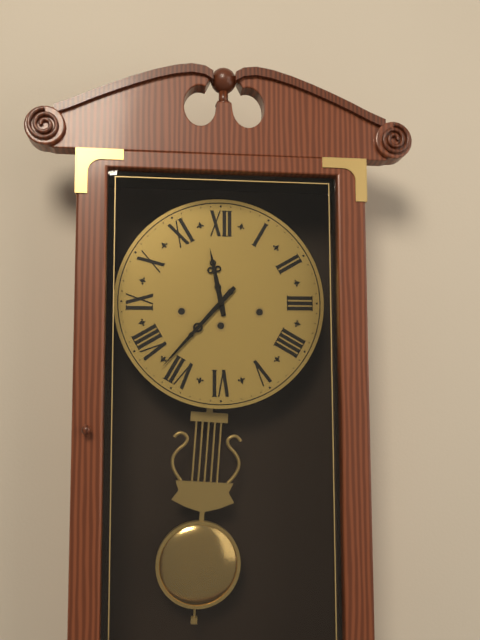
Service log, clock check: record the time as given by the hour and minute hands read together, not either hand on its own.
11:37
